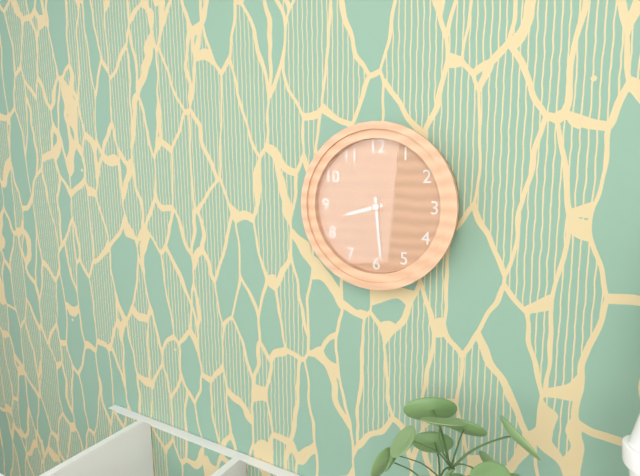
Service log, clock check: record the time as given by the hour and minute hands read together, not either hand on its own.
8:29
